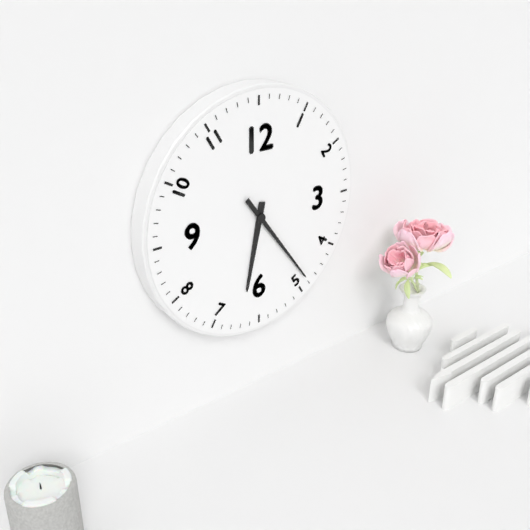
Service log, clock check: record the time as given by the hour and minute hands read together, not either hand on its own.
6:24
